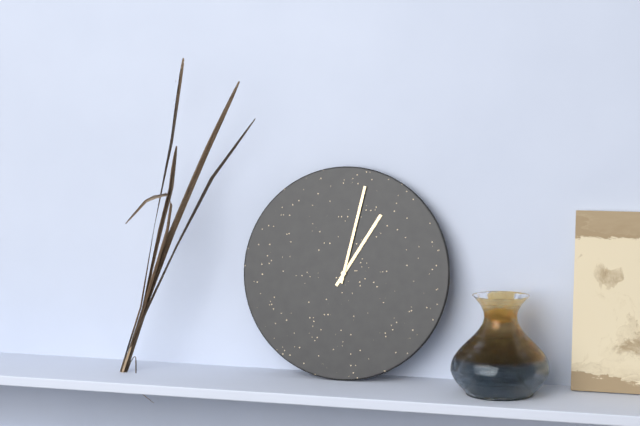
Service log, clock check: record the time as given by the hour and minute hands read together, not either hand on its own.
1:02
